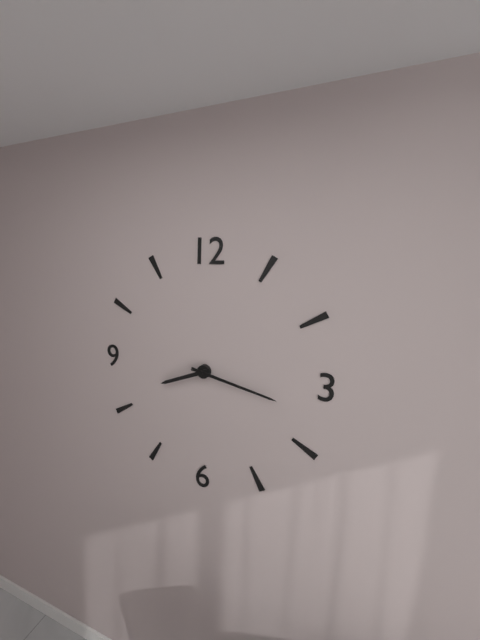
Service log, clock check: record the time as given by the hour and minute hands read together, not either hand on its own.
8:17
